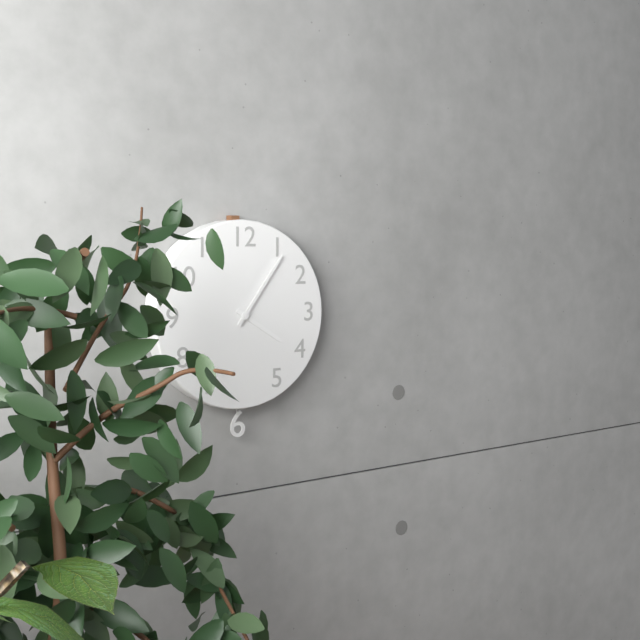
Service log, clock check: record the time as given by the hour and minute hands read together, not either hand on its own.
4:06
